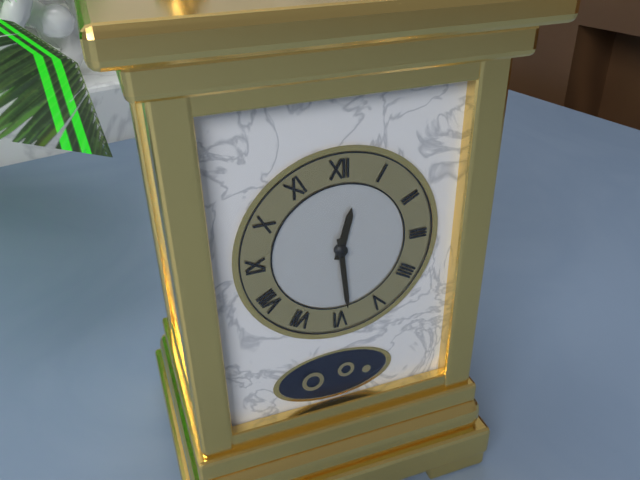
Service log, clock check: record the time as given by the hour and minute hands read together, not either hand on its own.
12:29
